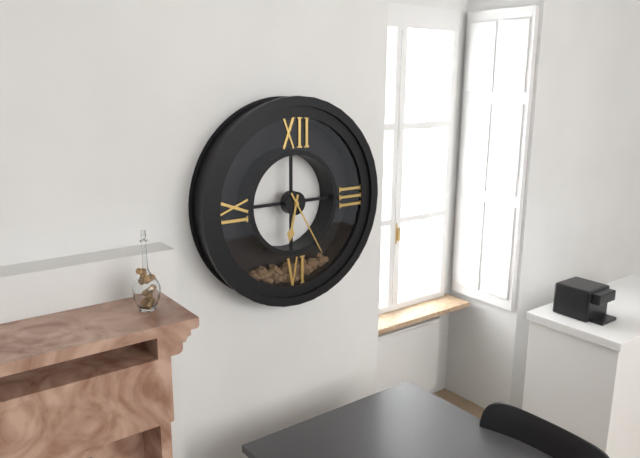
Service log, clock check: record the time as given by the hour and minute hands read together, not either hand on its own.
6:25
